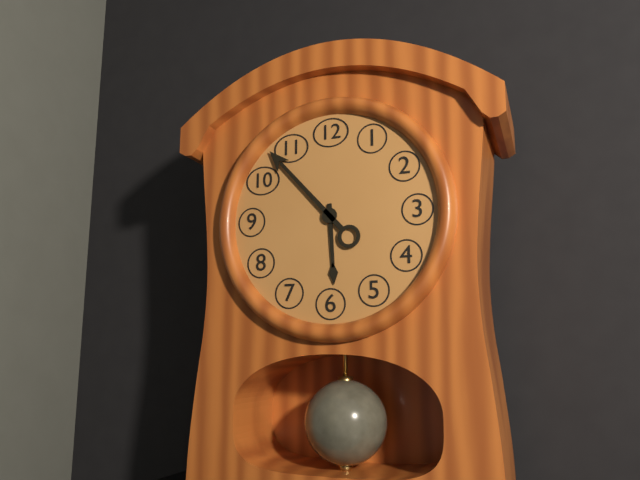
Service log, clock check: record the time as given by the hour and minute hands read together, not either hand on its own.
5:53
